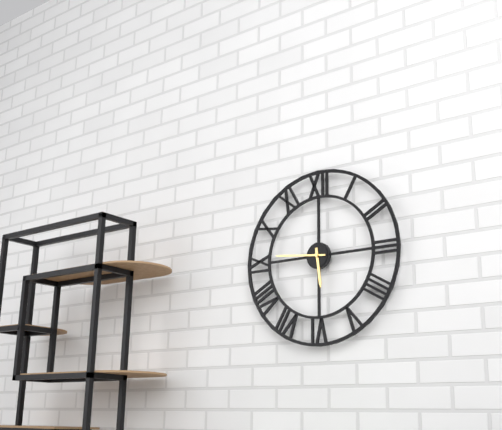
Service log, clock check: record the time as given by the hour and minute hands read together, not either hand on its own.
5:46
